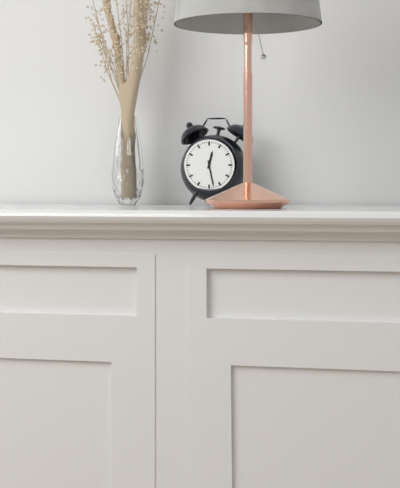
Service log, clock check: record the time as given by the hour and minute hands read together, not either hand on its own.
12:28
